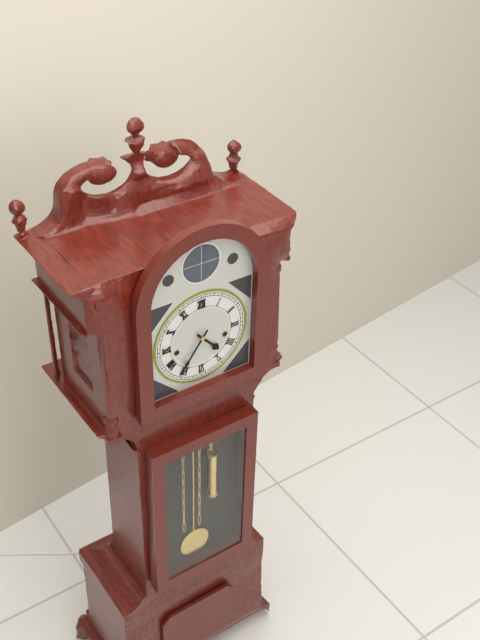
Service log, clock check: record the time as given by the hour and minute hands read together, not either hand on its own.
4:36
